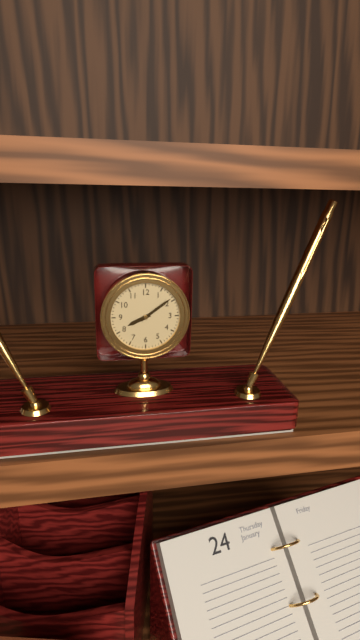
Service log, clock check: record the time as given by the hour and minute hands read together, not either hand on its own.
8:09
